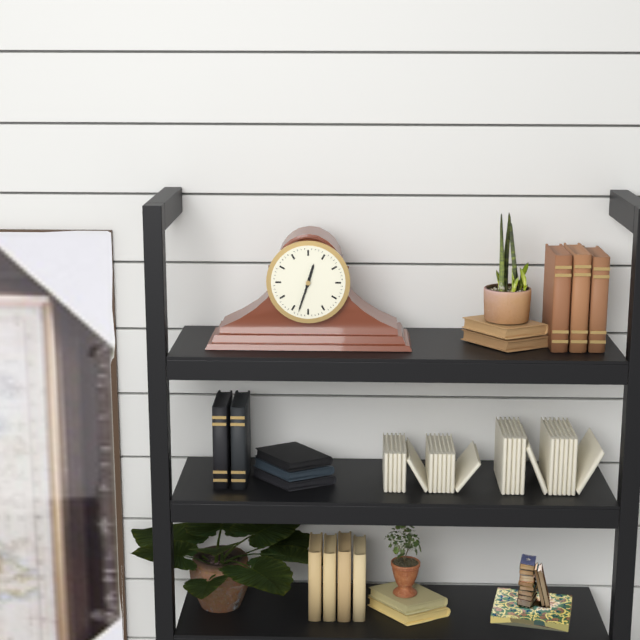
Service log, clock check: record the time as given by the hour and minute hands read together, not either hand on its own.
12:33
